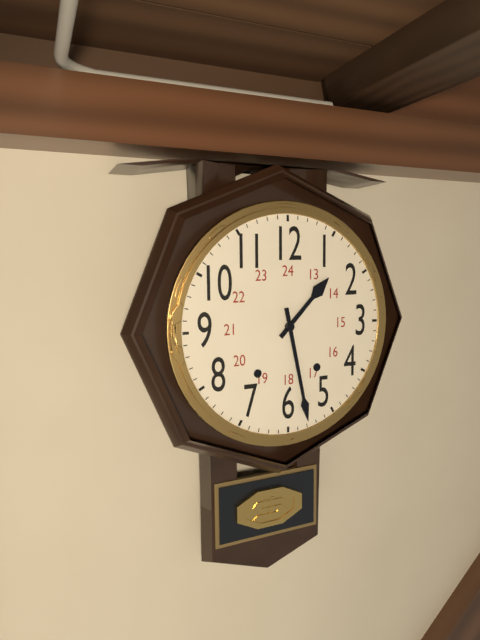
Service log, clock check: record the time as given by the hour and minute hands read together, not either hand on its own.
1:28
